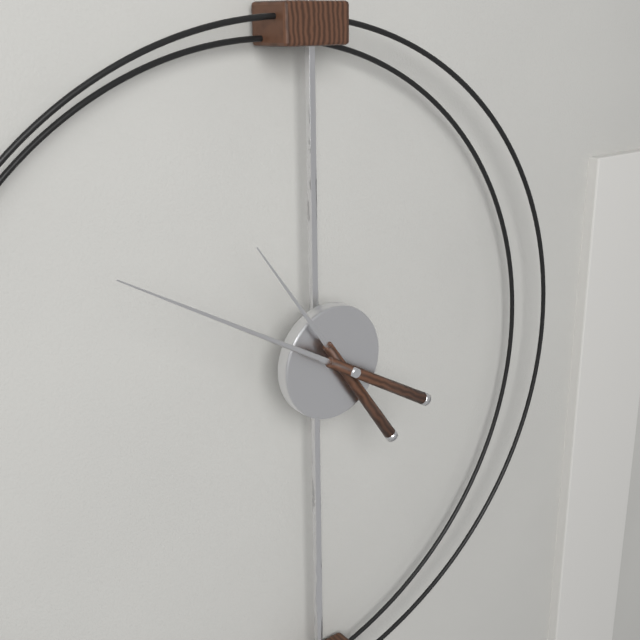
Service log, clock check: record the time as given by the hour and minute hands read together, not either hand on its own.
10:50
